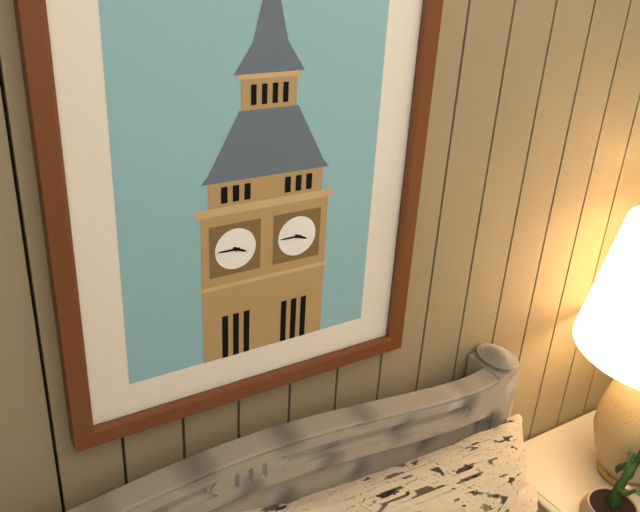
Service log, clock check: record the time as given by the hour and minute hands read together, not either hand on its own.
3:45
